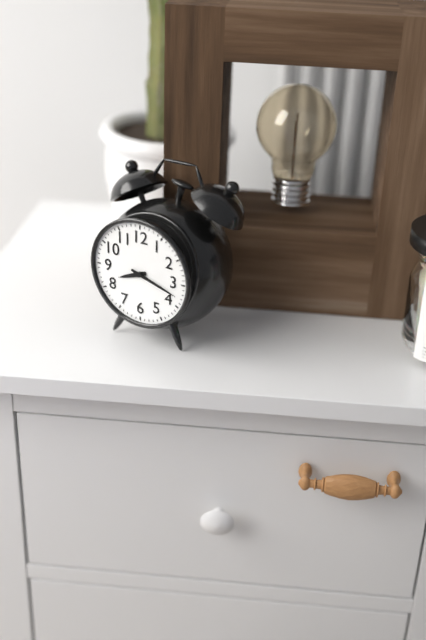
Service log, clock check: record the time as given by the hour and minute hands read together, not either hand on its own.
8:18
